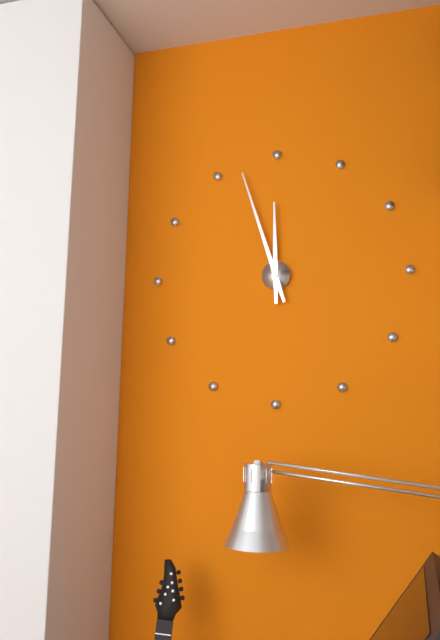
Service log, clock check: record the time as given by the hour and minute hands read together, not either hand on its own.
11:57
